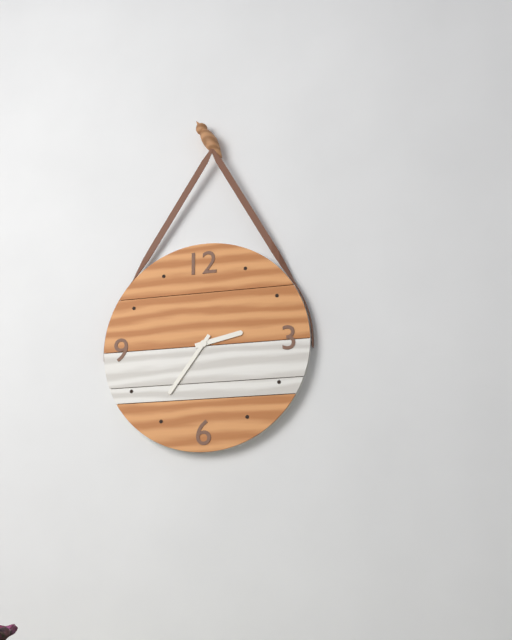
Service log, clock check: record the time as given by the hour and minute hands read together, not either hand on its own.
2:36
